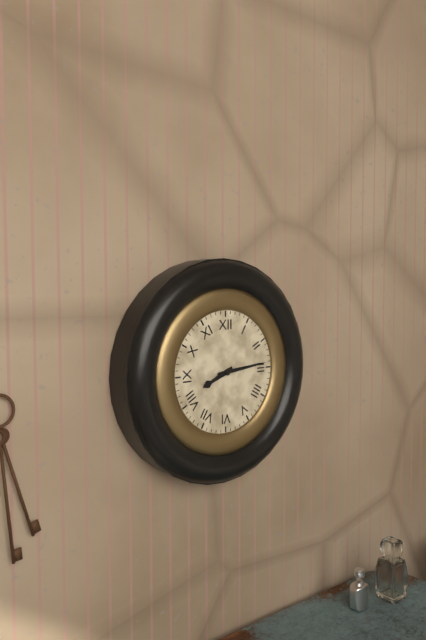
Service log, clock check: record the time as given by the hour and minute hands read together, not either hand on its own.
8:14
